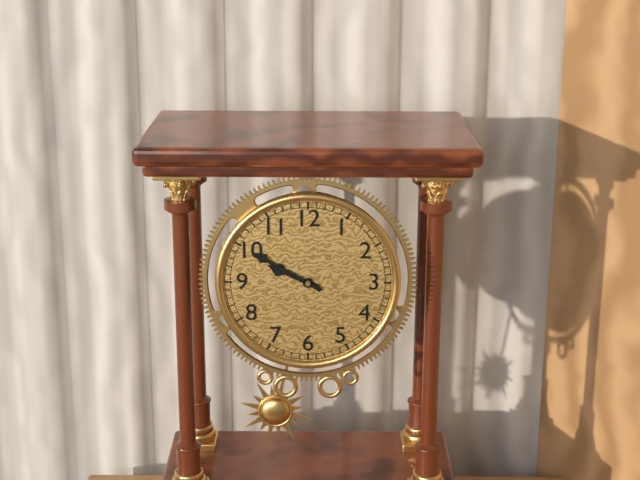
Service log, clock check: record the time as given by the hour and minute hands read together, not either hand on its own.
9:50
